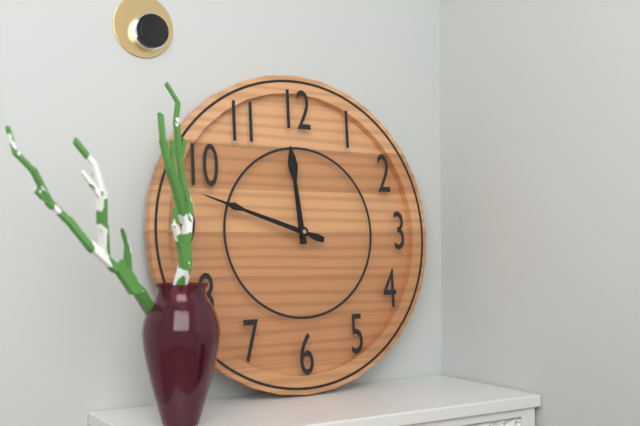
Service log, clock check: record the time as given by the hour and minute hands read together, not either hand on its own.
11:48
